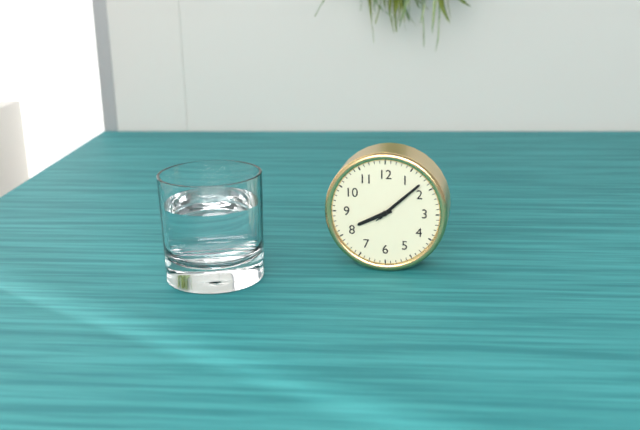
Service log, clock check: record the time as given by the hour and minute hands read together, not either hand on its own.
8:08
